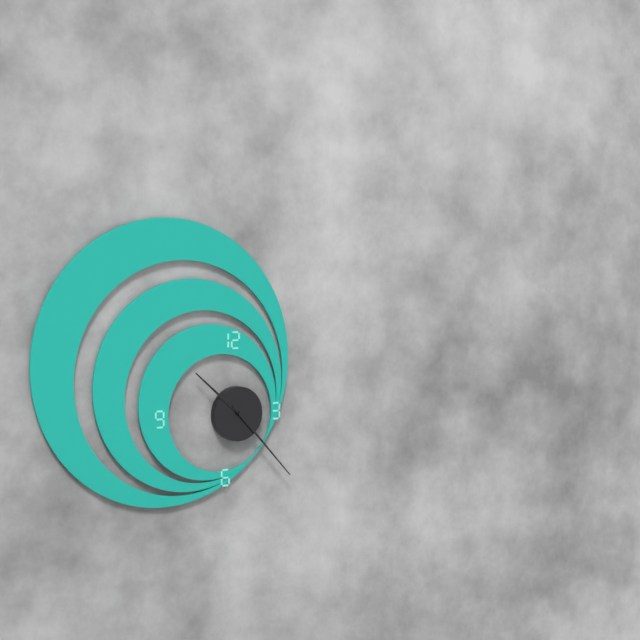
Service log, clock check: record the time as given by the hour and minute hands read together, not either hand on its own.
10:23
